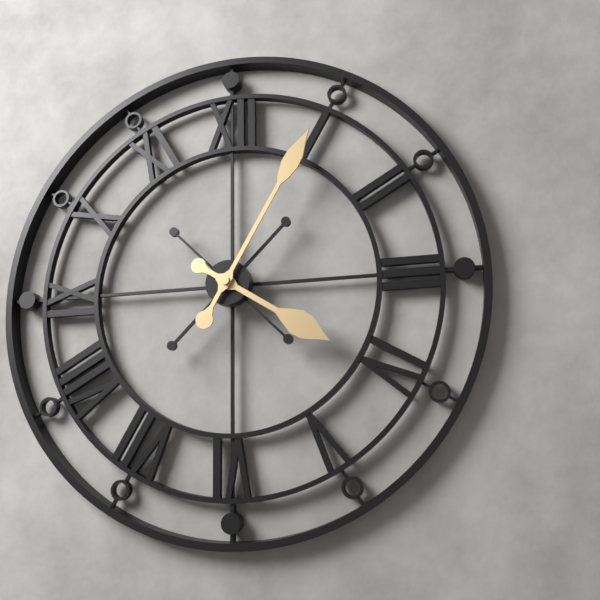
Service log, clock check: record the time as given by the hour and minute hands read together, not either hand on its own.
4:05
